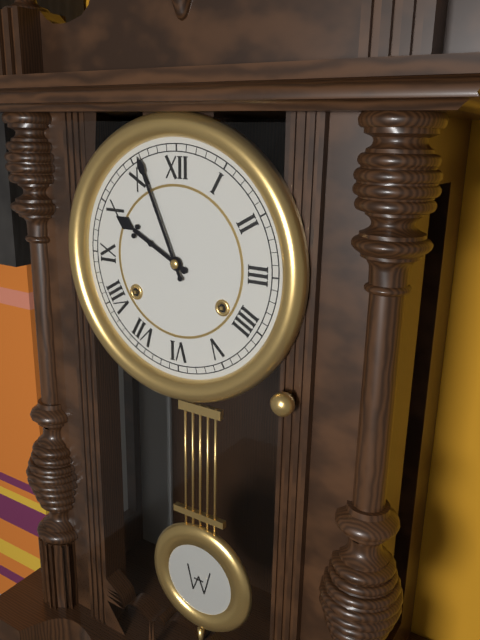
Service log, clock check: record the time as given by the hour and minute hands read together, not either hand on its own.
9:56
